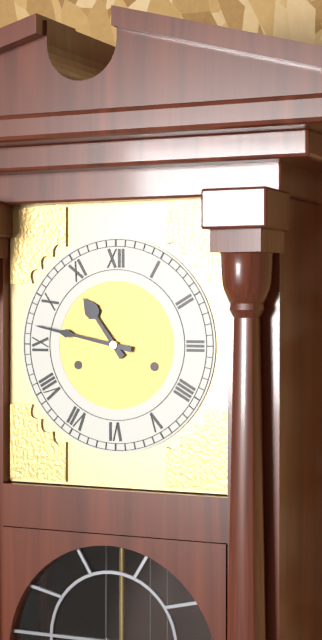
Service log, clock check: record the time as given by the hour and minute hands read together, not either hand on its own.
10:47
